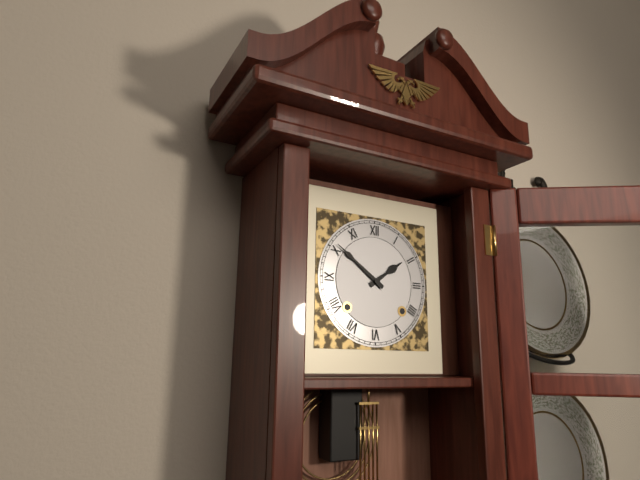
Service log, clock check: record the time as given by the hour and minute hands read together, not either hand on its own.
1:51
